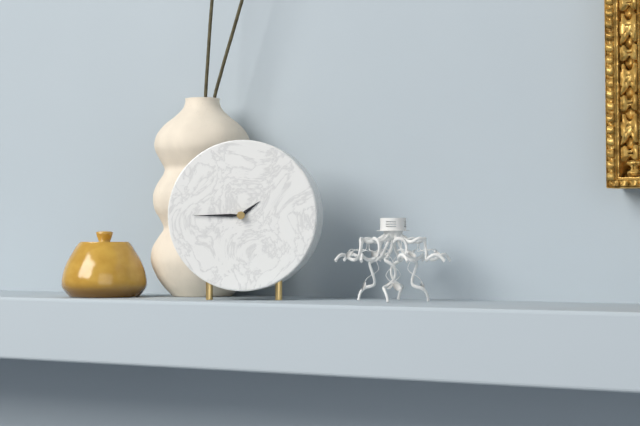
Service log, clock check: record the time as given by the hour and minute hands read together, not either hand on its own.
1:45
